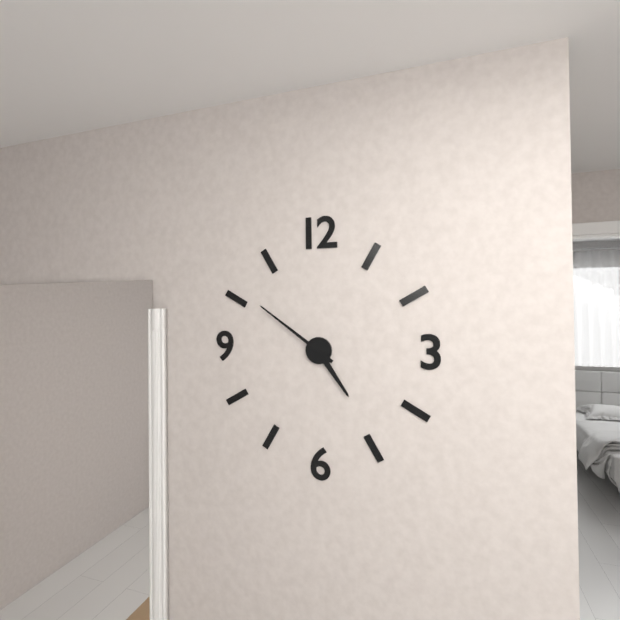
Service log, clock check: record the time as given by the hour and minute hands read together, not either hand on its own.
4:51
